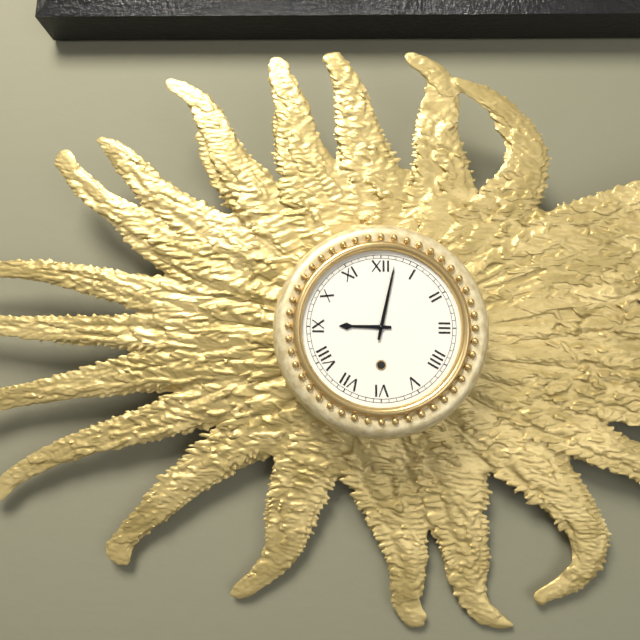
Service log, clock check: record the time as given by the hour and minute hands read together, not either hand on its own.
9:02
